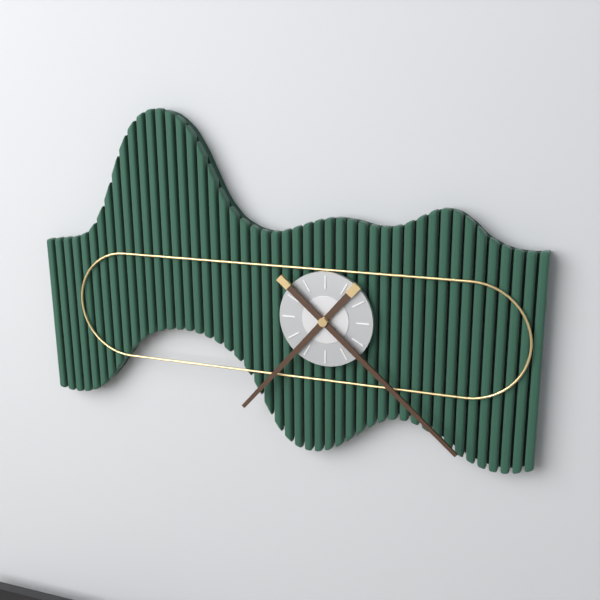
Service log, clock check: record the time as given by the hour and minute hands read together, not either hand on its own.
7:22
